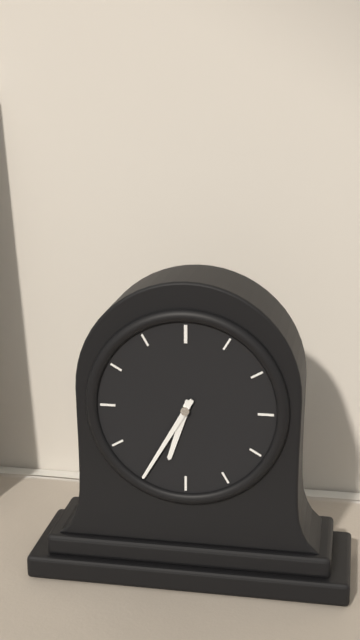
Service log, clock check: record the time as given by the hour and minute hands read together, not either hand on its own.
6:35
